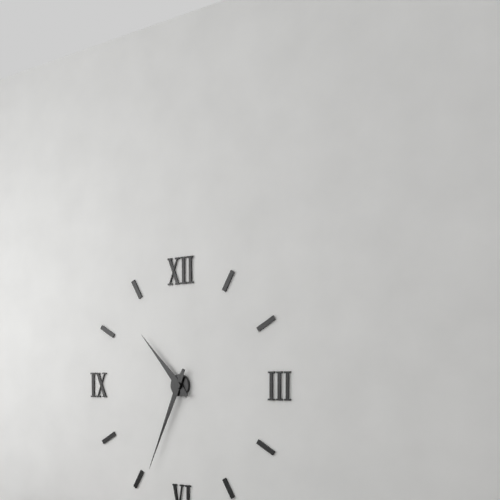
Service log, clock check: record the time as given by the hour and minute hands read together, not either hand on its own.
10:34
